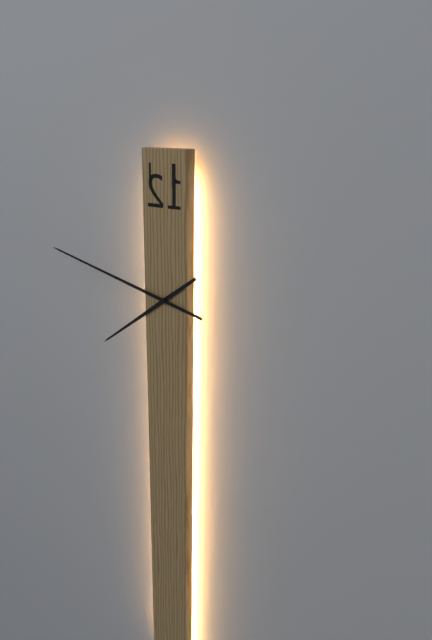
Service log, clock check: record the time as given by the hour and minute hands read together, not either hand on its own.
7:47
